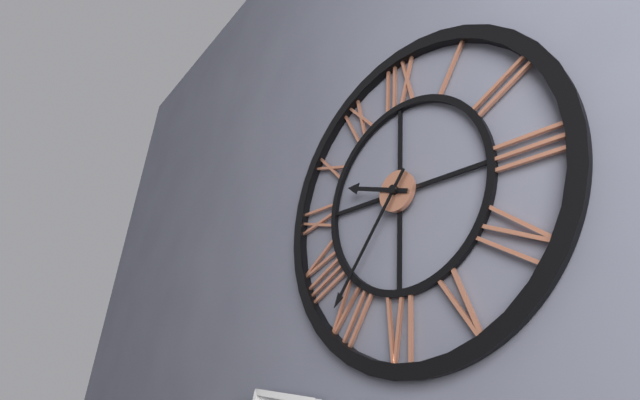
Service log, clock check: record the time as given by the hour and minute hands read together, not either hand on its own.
9:36
